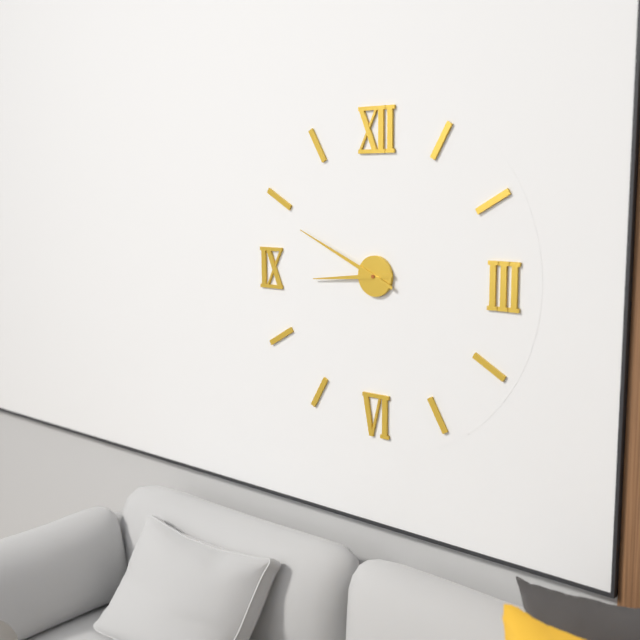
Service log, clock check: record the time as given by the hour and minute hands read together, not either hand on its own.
8:49
